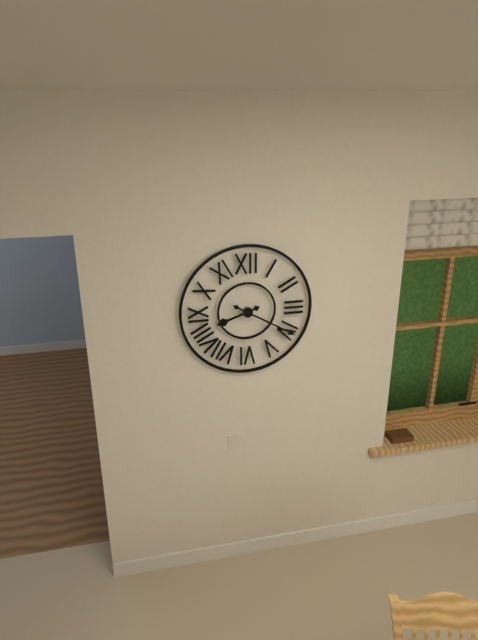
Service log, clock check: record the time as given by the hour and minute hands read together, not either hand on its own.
8:20
